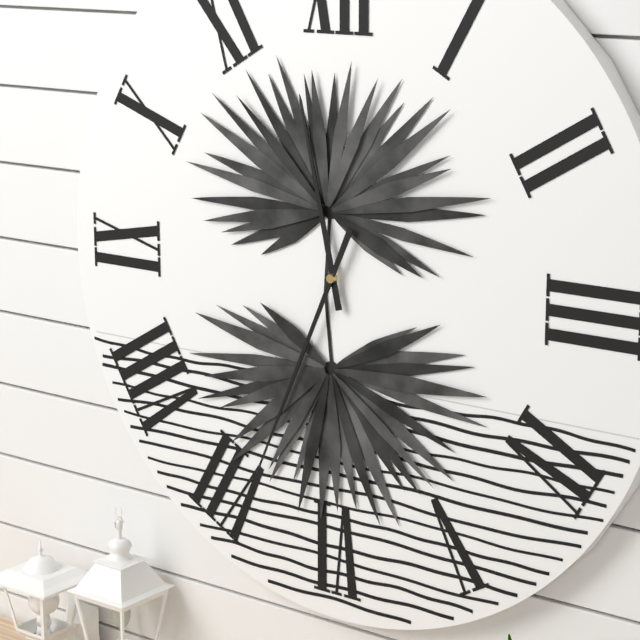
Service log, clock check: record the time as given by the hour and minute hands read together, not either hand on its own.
11:34
